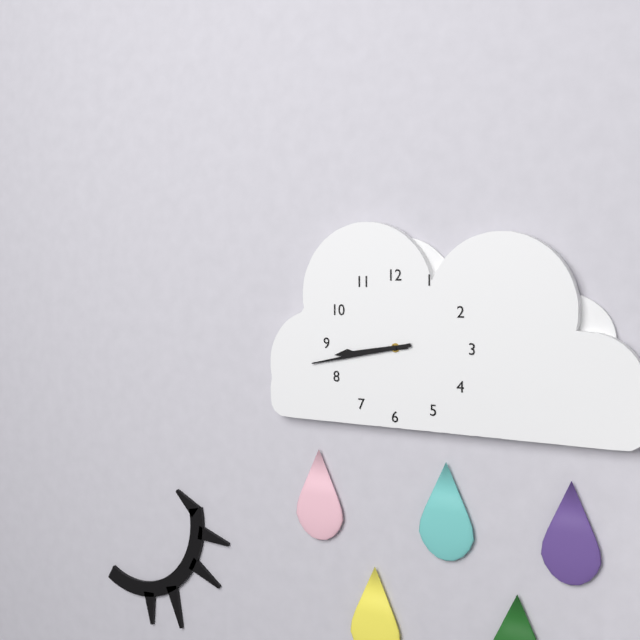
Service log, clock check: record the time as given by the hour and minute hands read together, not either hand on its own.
8:43
